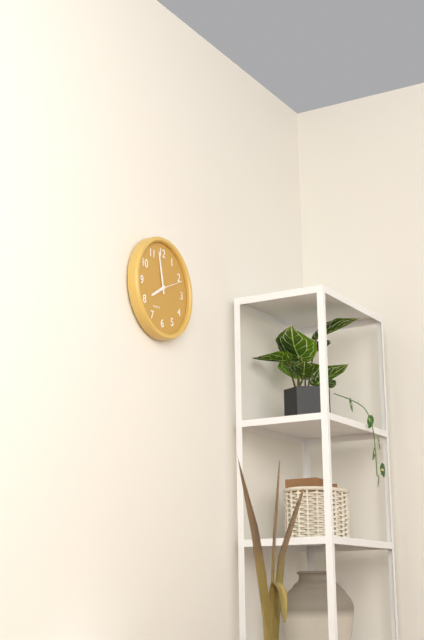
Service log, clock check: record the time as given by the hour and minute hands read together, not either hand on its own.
7:58
